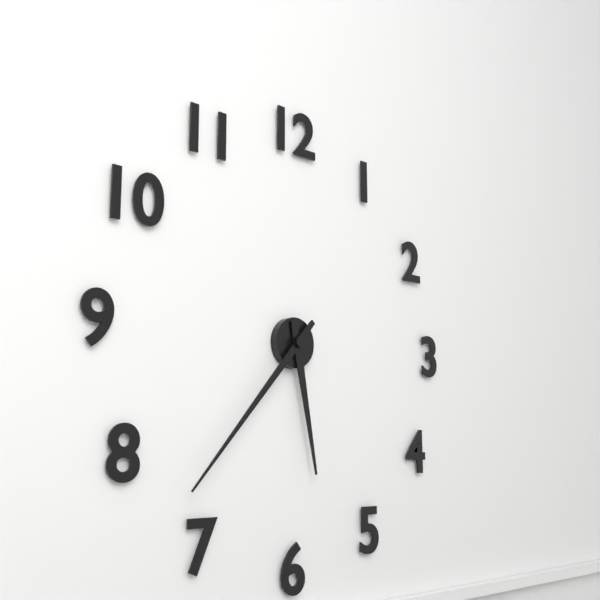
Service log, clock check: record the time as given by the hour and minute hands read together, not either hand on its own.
5:37
